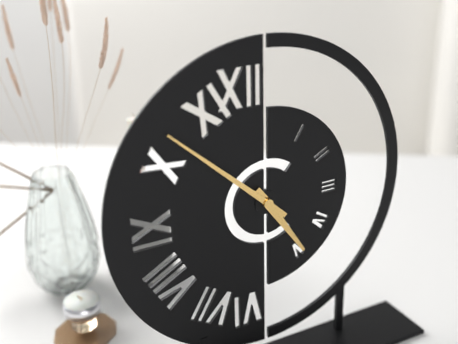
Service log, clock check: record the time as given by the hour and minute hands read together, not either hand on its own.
4:52
